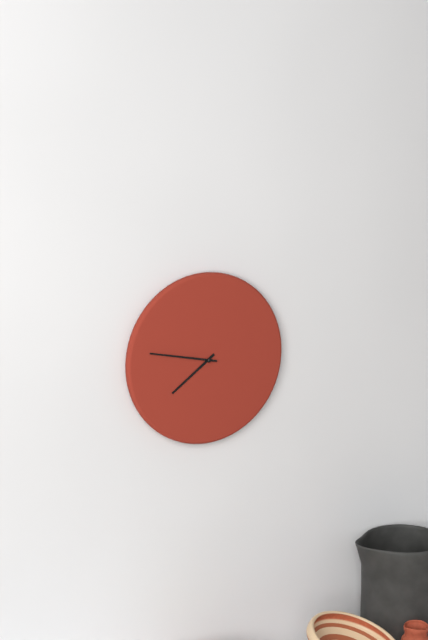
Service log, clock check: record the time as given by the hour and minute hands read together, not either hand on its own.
7:47
